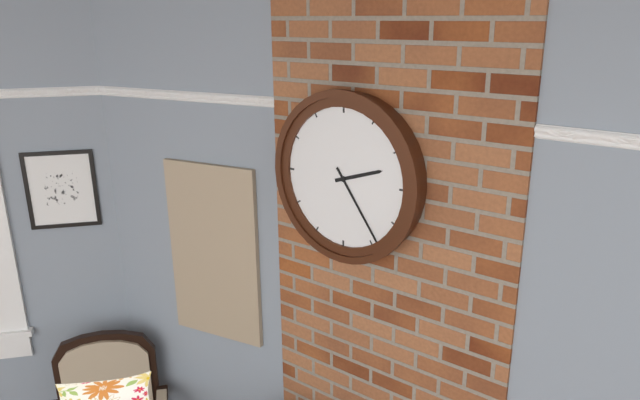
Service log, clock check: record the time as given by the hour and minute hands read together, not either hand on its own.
2:24
